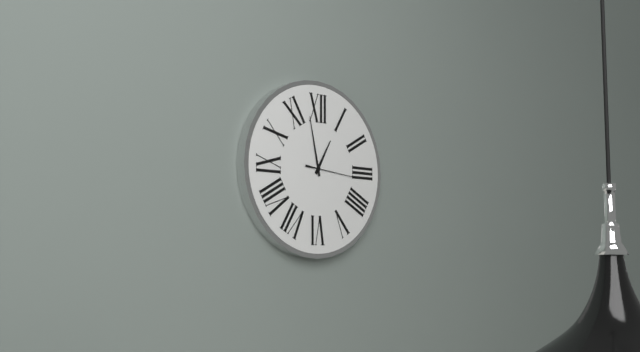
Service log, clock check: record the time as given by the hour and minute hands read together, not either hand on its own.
12:58
